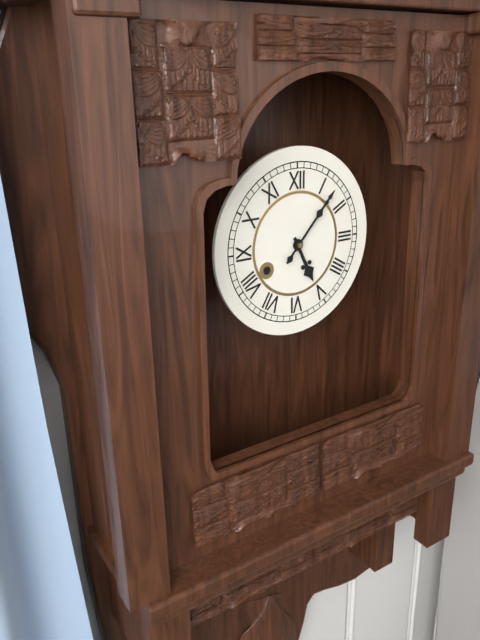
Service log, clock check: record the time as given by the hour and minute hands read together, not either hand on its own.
5:07
